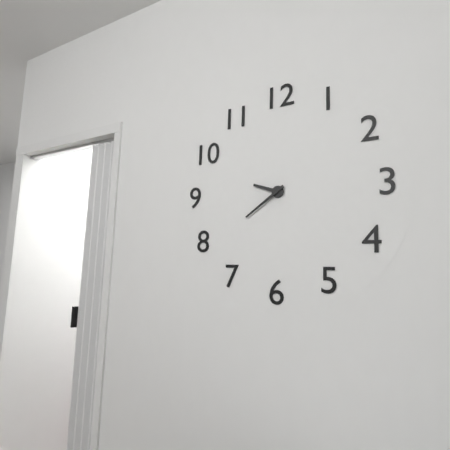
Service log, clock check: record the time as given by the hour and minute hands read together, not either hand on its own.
9:39
